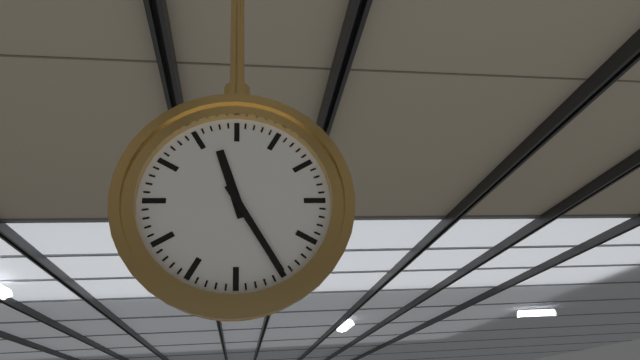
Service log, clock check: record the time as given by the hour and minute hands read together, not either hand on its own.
11:25
